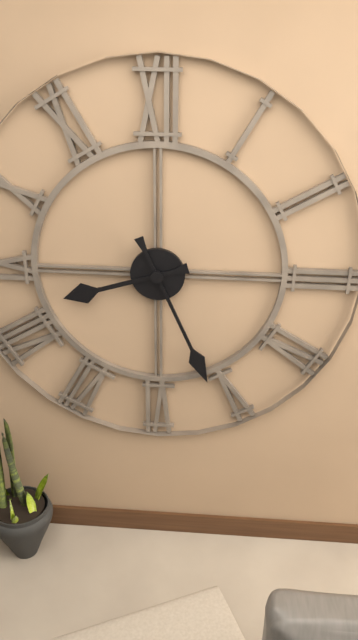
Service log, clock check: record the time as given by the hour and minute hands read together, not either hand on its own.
8:26
